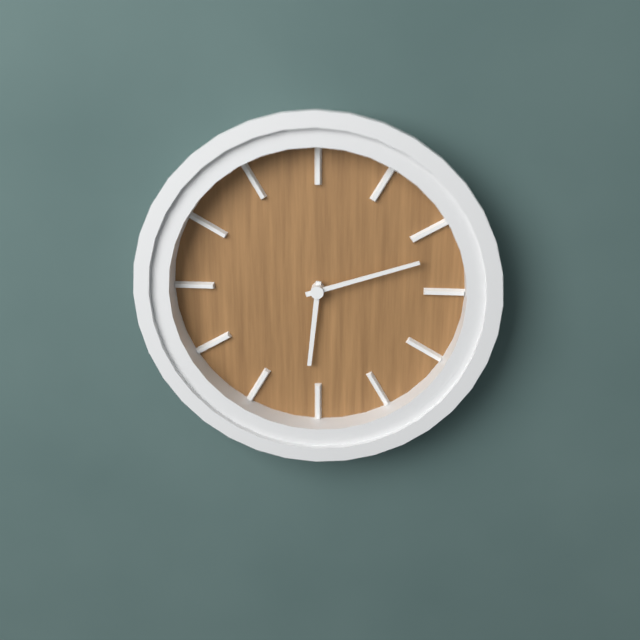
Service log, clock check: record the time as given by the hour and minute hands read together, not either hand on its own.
6:12
